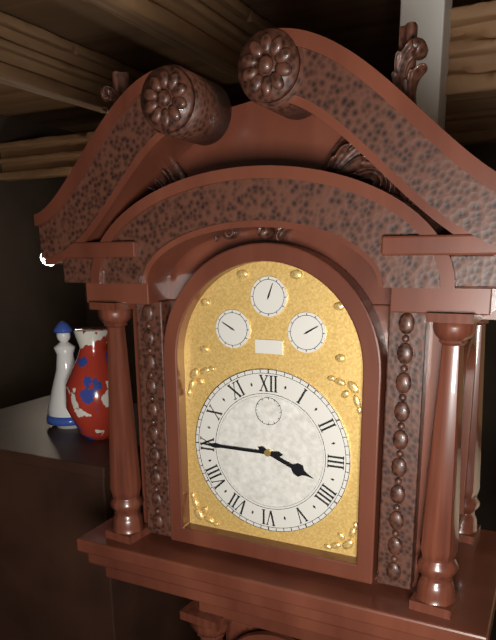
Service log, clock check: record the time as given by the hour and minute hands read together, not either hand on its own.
3:45
